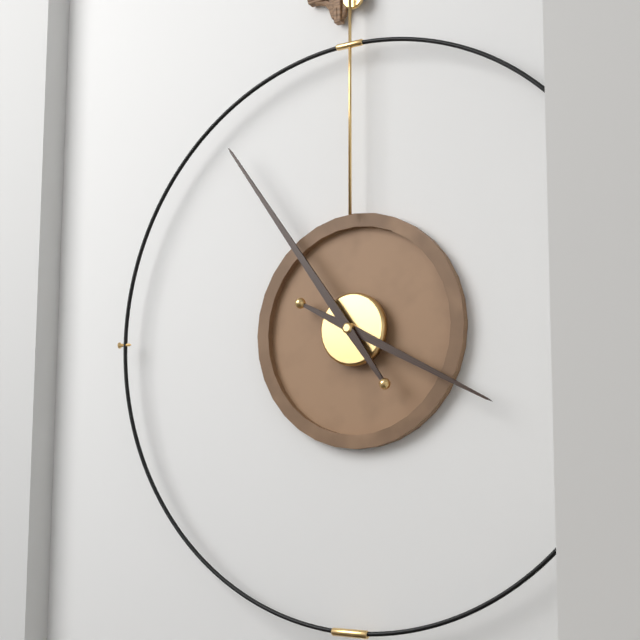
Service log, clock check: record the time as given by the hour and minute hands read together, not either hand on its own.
3:54
